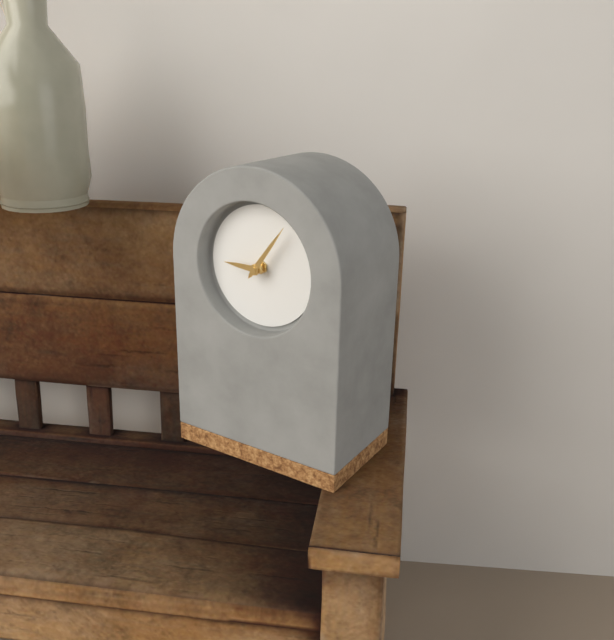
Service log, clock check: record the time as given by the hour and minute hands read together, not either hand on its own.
9:06
